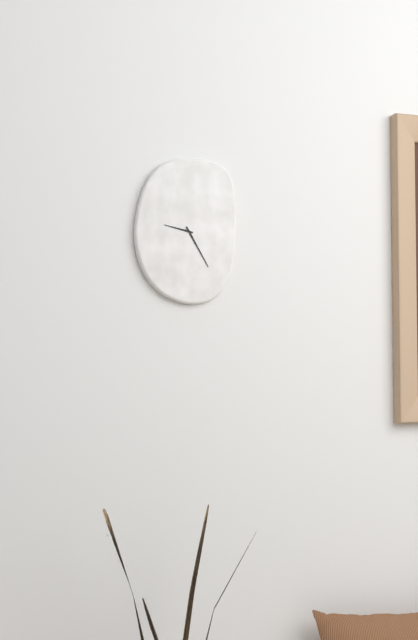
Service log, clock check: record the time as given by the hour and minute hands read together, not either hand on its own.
9:25
